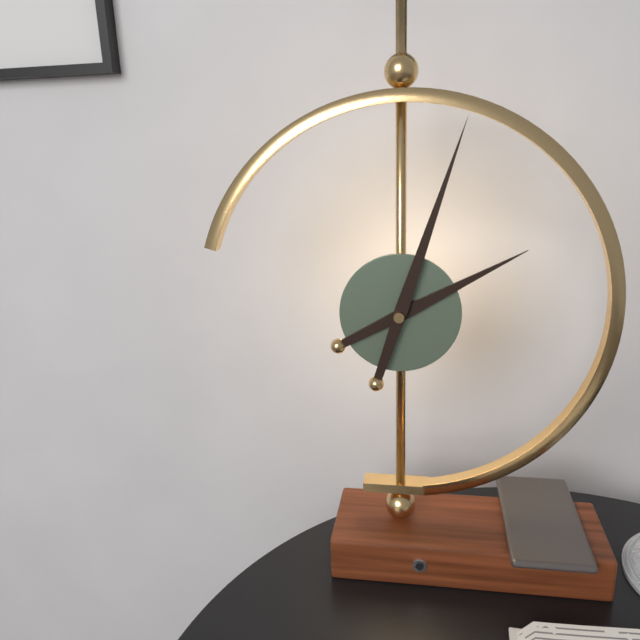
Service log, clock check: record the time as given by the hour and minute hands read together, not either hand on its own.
2:03
